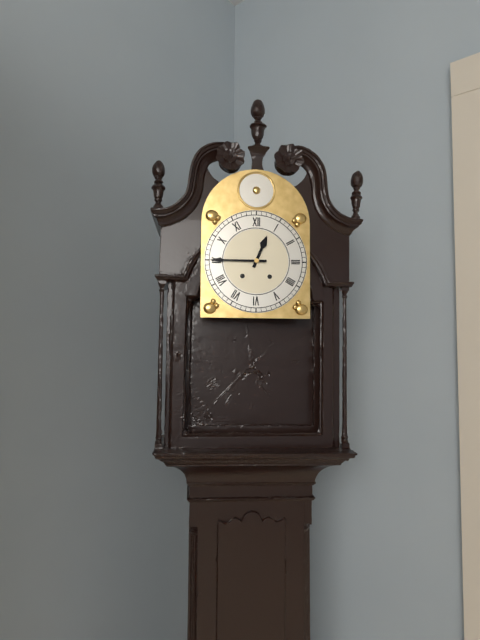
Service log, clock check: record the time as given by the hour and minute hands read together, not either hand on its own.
12:45
